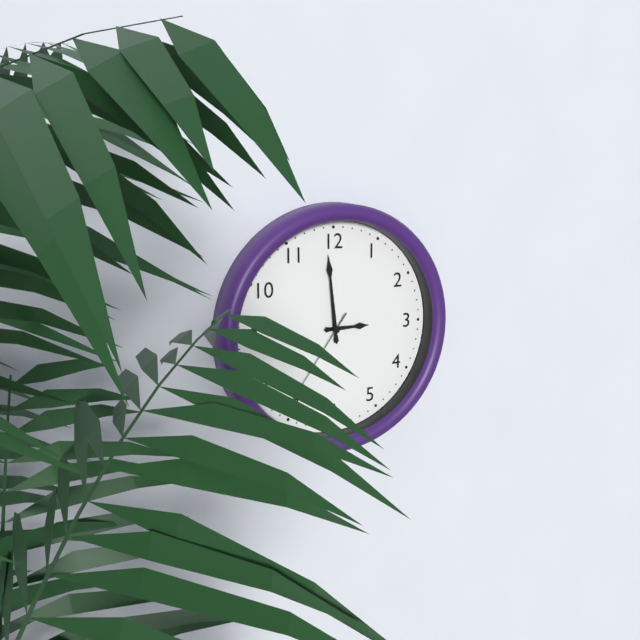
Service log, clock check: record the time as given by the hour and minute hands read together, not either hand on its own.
2:59
